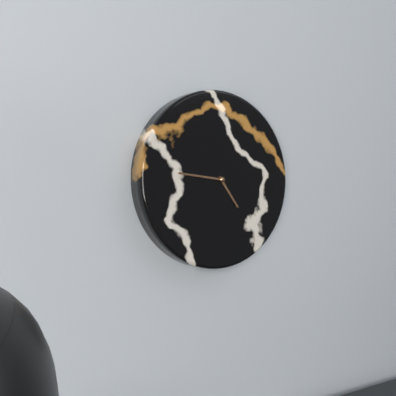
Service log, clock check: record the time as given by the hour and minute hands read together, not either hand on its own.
4:46
